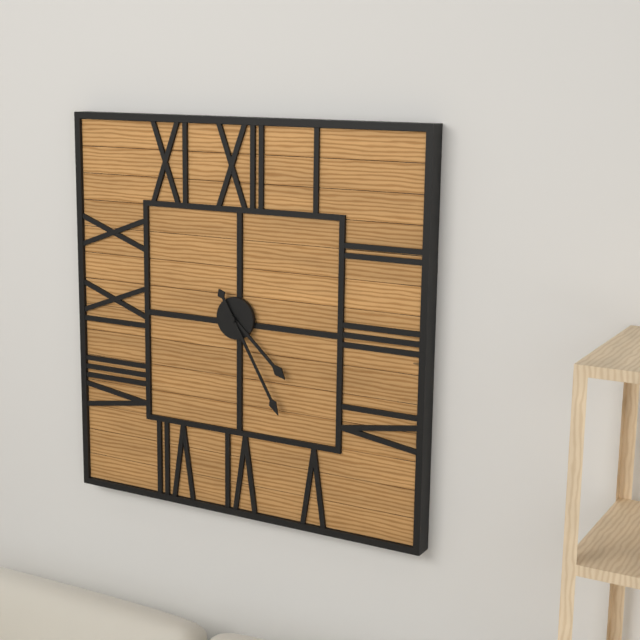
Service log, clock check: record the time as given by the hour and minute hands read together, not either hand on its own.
4:25
